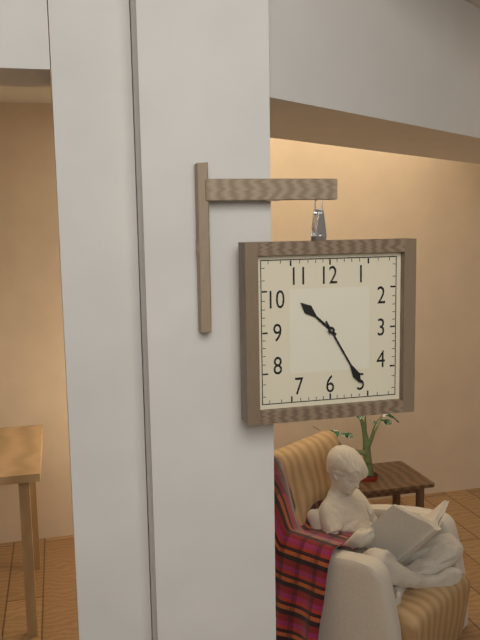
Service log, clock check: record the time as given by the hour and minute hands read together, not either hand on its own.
10:25
